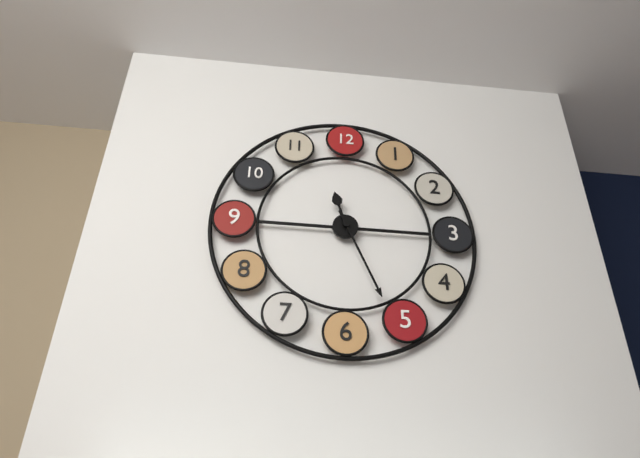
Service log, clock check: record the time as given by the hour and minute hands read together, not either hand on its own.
11:26
